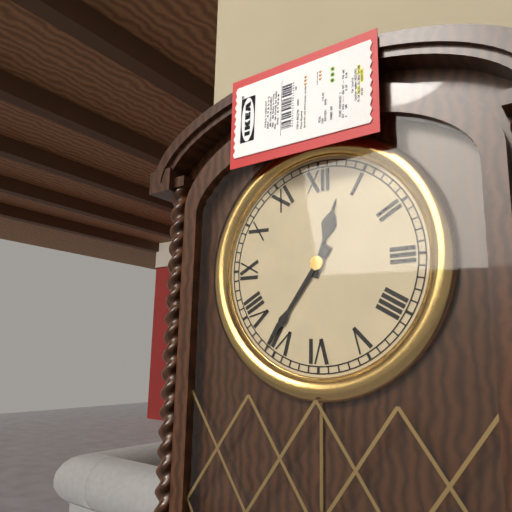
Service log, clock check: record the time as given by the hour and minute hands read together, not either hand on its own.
12:36
